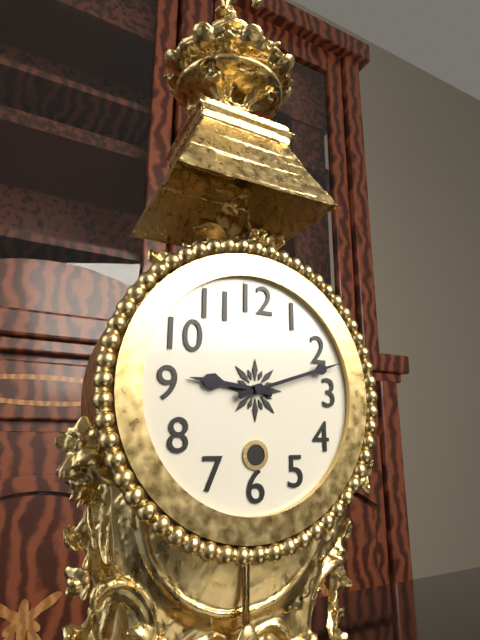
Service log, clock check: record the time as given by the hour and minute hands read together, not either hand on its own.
9:12
